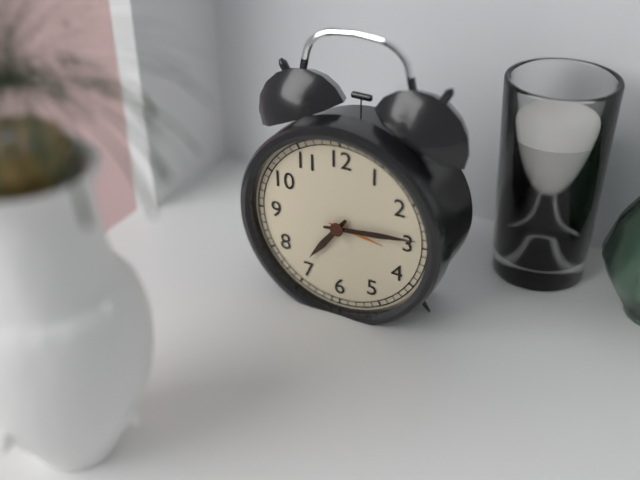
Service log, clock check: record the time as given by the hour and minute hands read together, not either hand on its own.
7:14
